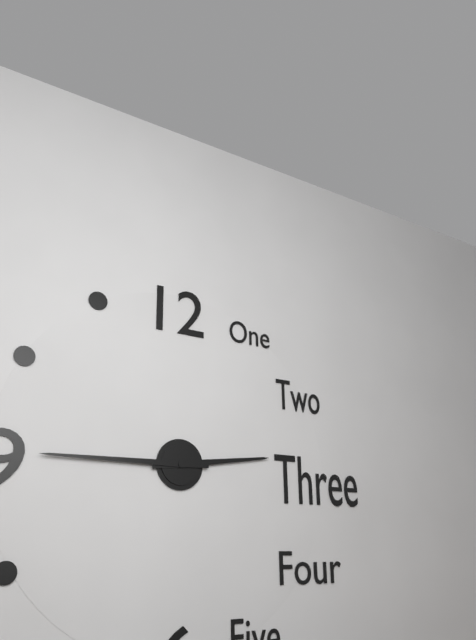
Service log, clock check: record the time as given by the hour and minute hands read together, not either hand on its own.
2:45
